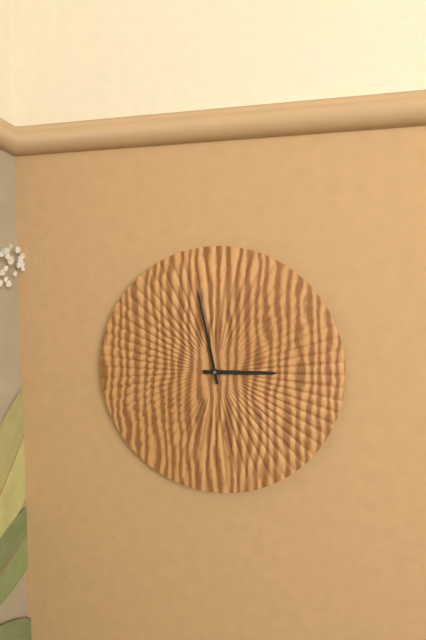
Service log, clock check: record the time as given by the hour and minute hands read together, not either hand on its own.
2:58
